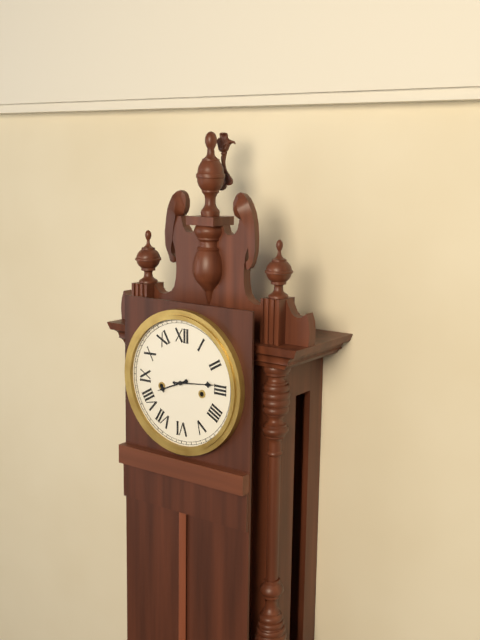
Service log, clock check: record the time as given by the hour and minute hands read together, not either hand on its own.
8:14
